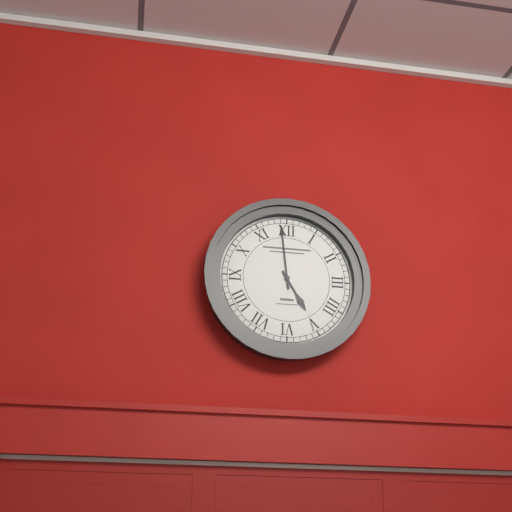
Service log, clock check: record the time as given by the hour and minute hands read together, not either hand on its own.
4:59
